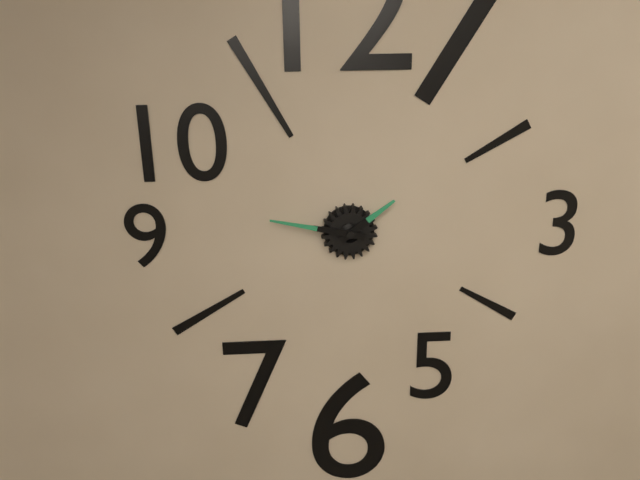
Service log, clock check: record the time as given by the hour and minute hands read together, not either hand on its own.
1:47
